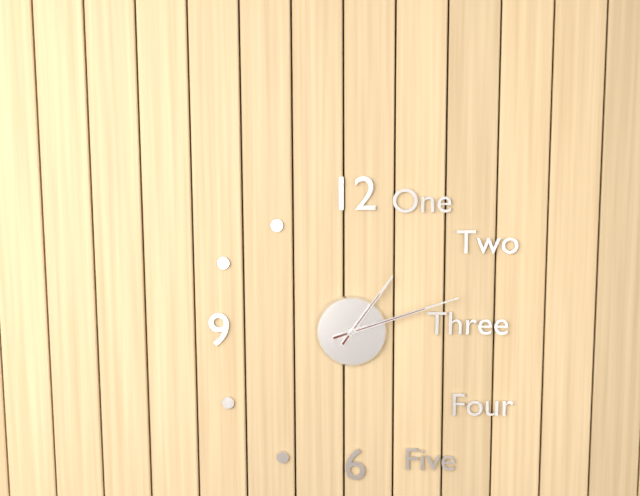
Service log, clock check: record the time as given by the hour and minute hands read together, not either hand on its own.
1:12
